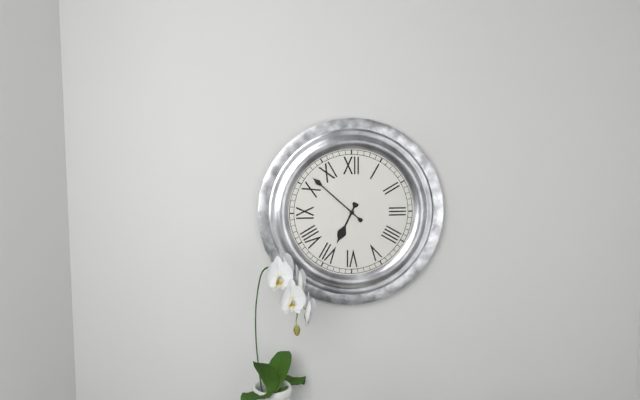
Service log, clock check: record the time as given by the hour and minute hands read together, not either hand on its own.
6:52
